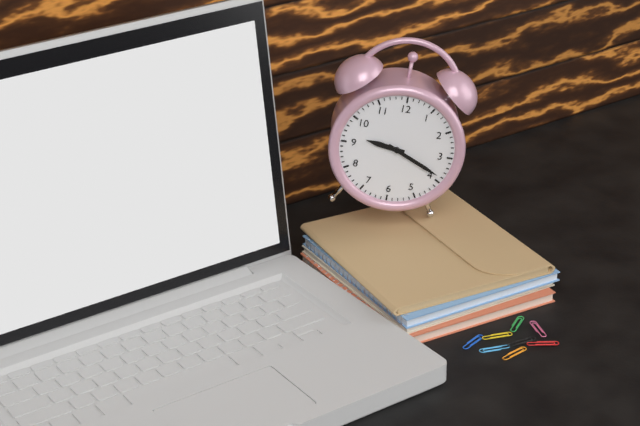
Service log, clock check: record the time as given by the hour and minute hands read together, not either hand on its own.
9:19
